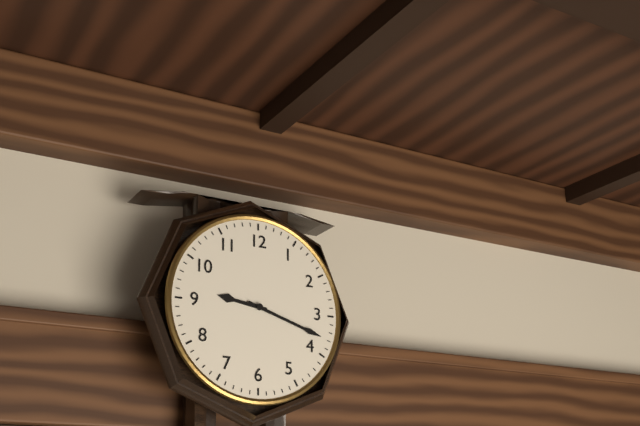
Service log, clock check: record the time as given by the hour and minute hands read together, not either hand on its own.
9:18
